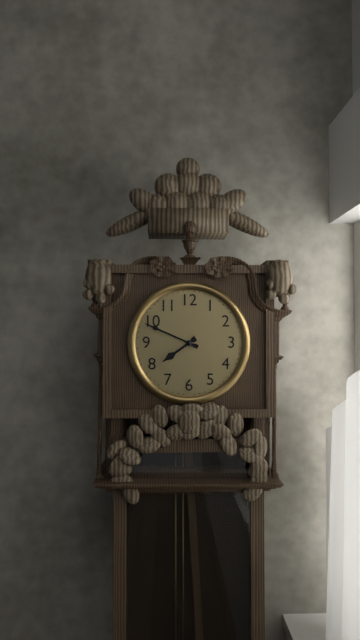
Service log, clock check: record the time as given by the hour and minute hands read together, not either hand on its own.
7:49
